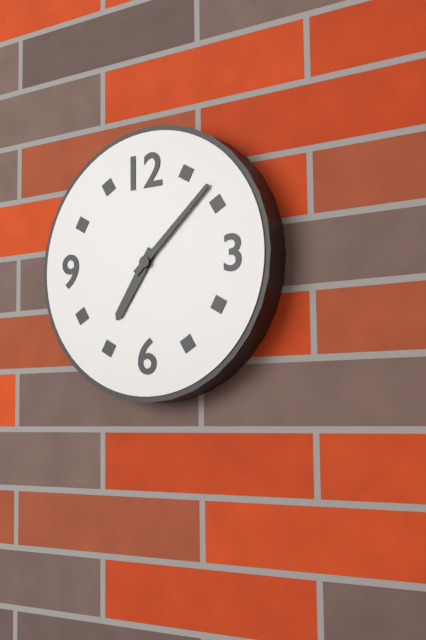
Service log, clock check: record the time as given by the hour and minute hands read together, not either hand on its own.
7:08
